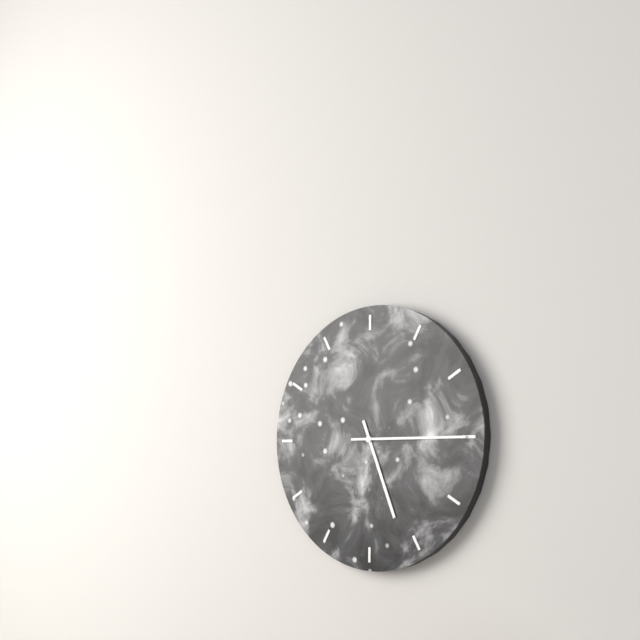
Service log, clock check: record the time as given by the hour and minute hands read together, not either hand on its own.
5:15
